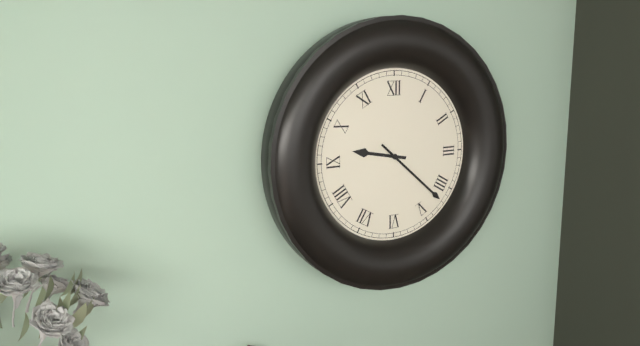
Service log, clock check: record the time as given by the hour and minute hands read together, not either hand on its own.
9:22
